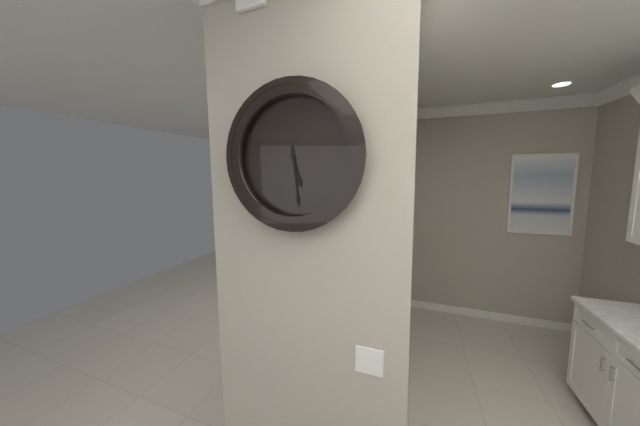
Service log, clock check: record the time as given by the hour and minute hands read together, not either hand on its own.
5:29
